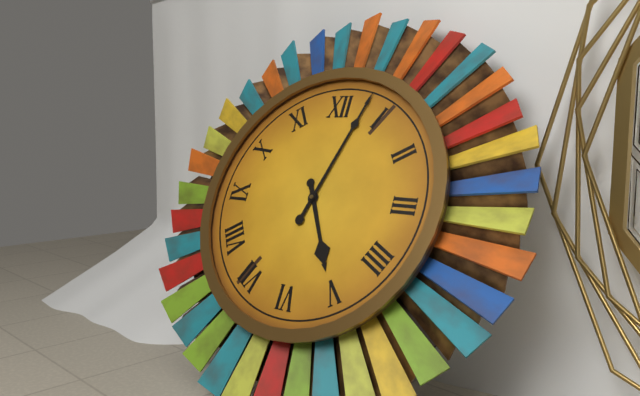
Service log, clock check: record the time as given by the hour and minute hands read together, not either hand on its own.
5:03
